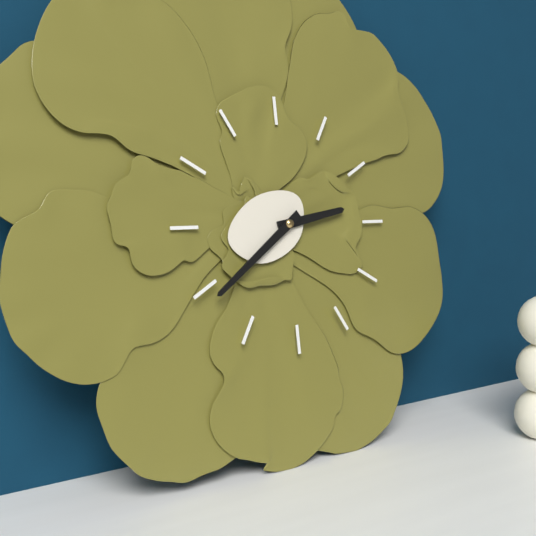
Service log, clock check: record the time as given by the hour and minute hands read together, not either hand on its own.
2:39
